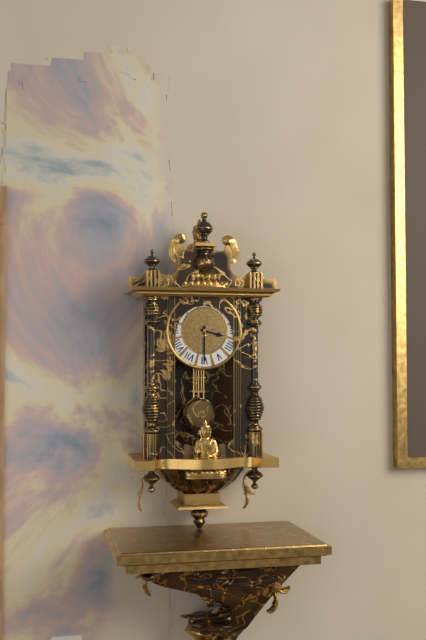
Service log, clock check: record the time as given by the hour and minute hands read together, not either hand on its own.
3:30
